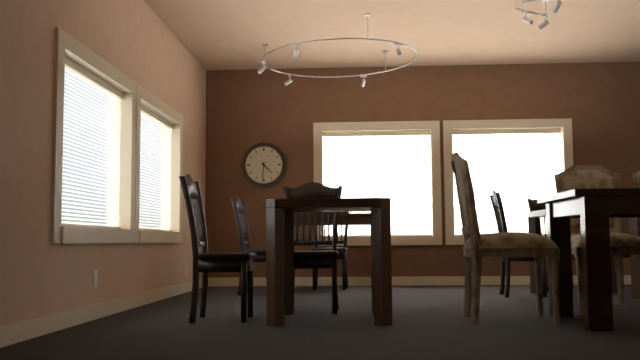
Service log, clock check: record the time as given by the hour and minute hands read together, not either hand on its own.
4:31
